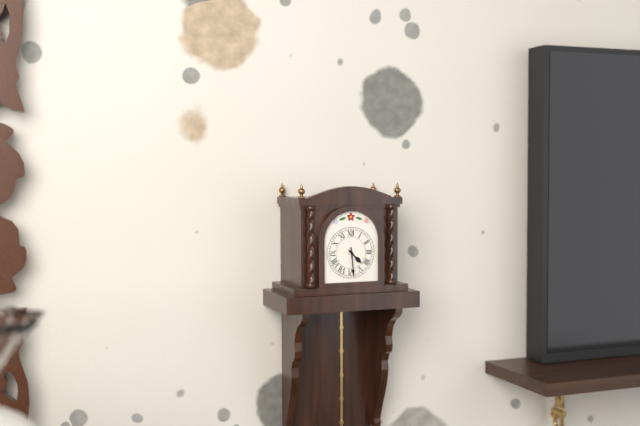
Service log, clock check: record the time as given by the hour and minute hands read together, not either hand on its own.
4:29
